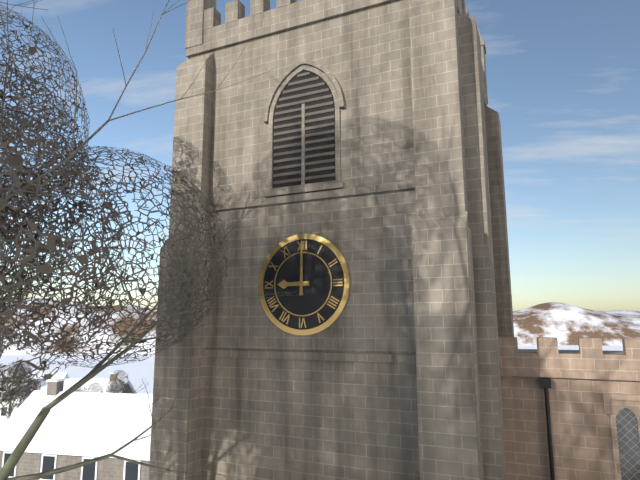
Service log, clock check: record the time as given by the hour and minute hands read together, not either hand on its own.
9:00
